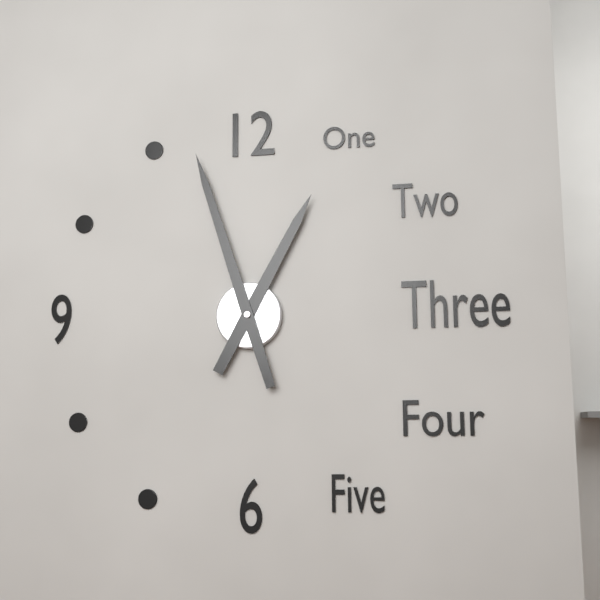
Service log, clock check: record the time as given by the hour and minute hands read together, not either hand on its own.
12:57
